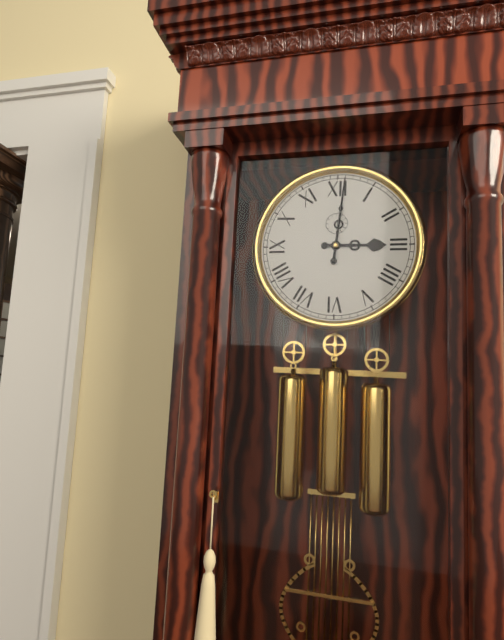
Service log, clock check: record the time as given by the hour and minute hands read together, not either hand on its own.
3:01
